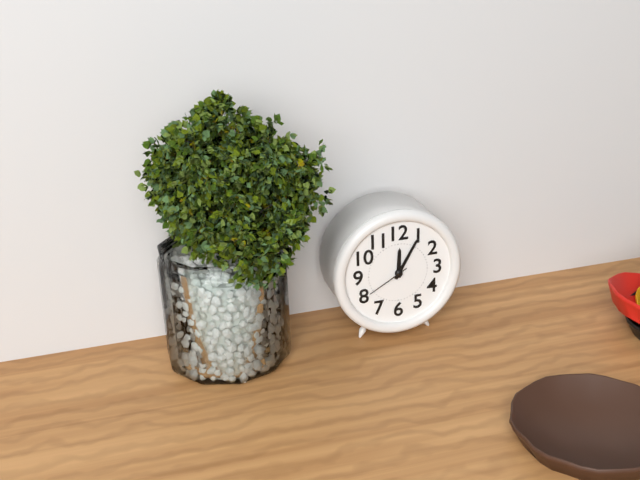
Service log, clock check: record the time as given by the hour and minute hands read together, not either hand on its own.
12:05
